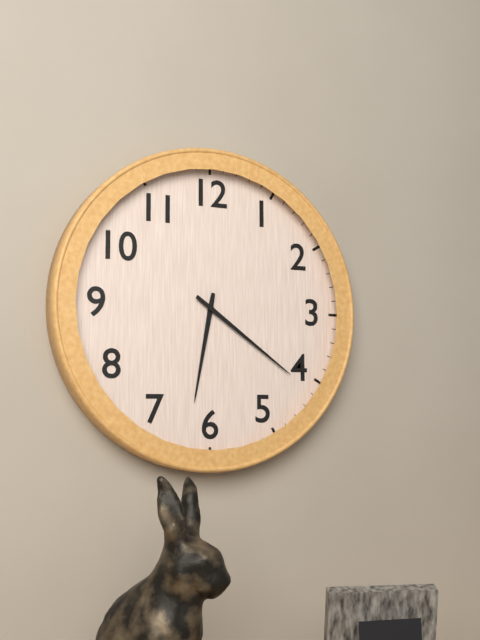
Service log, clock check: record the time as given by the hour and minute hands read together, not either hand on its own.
6:21
